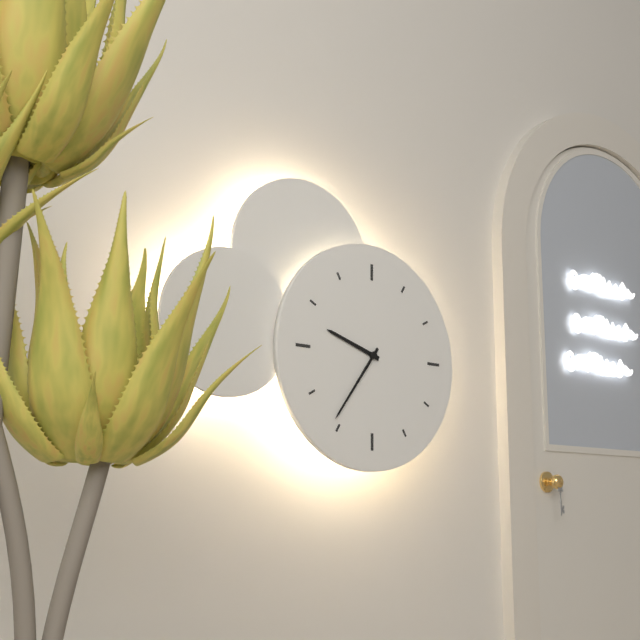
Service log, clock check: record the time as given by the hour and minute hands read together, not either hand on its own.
9:36
